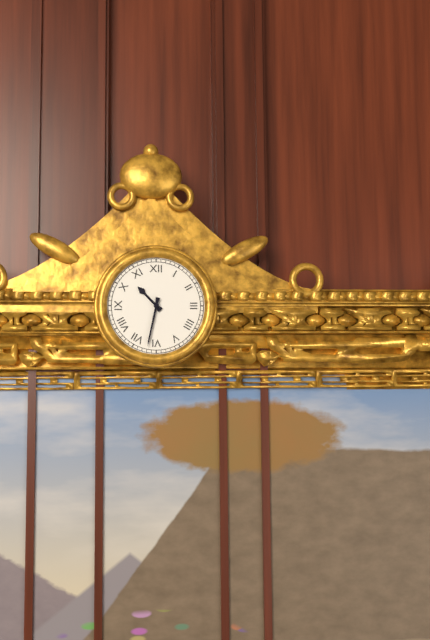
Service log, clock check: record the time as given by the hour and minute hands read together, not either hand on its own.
10:32
